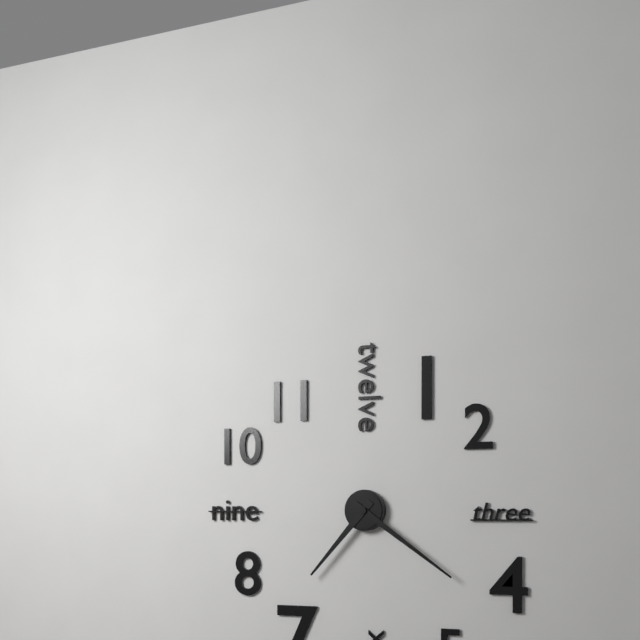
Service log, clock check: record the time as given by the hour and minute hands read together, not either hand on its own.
7:21
